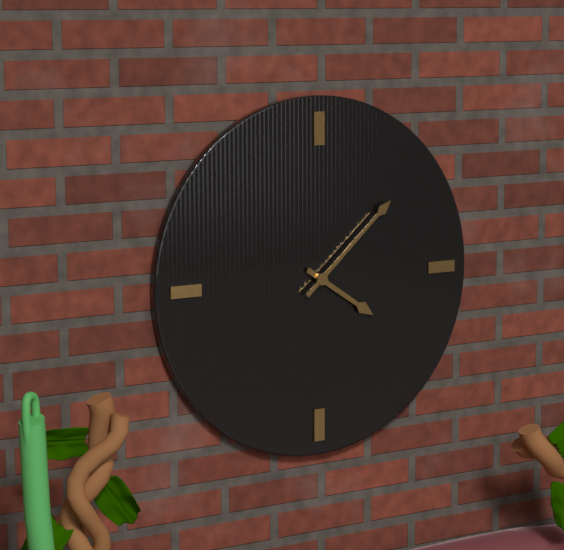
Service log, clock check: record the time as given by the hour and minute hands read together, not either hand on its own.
4:08
